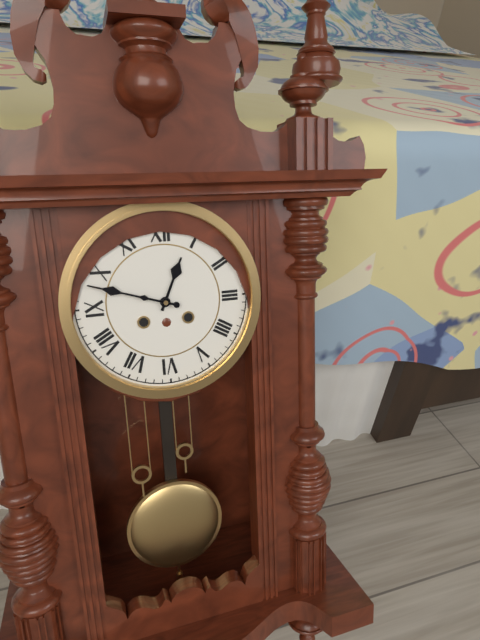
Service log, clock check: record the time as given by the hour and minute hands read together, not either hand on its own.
12:48
